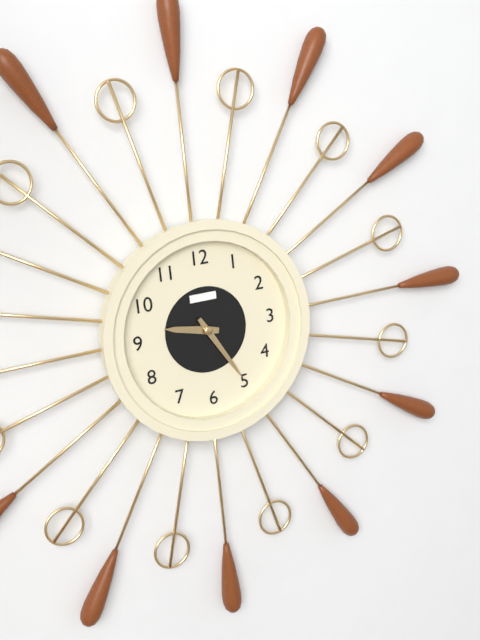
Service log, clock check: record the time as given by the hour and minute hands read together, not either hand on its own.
9:25
